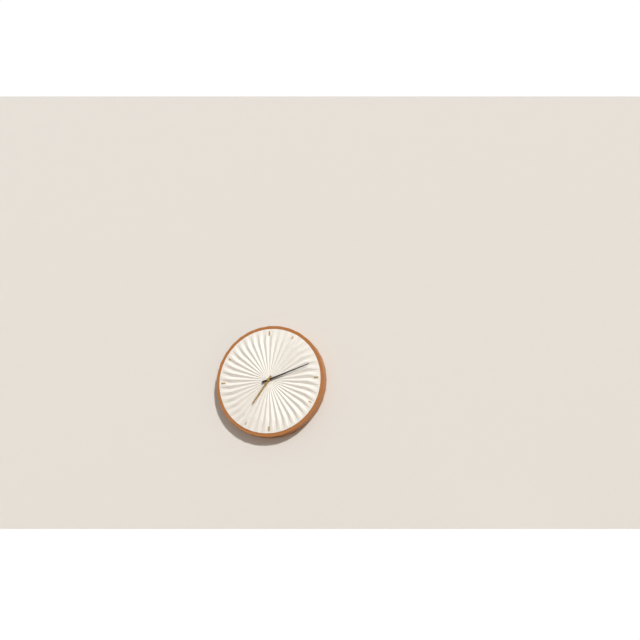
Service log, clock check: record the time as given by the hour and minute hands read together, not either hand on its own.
7:12
